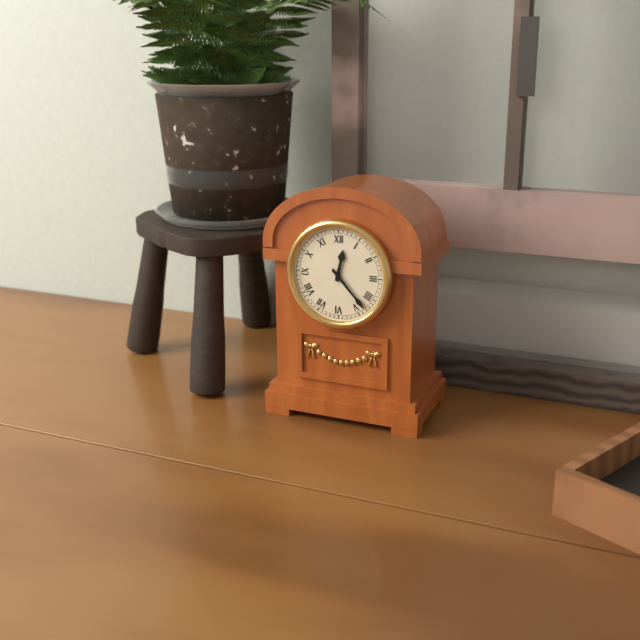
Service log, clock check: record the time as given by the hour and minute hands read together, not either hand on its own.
12:23
